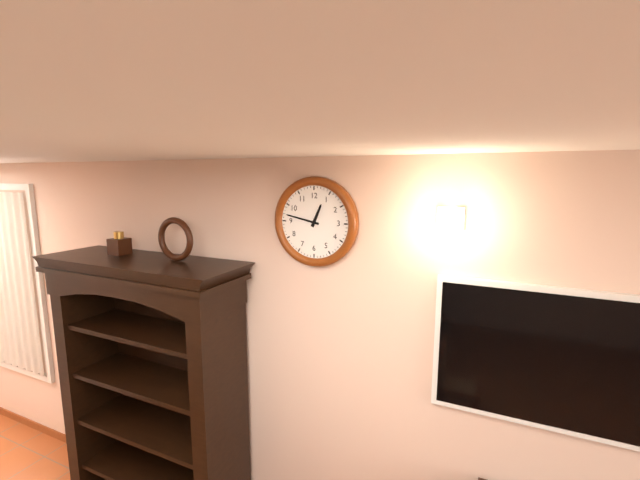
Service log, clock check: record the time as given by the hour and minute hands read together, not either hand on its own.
12:47
